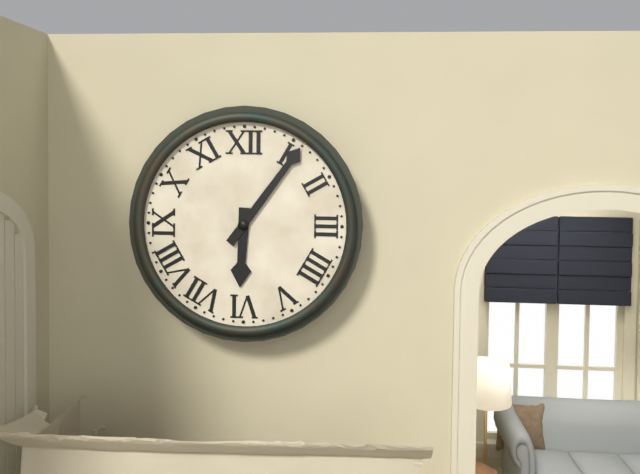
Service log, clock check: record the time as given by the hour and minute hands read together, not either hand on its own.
6:06
